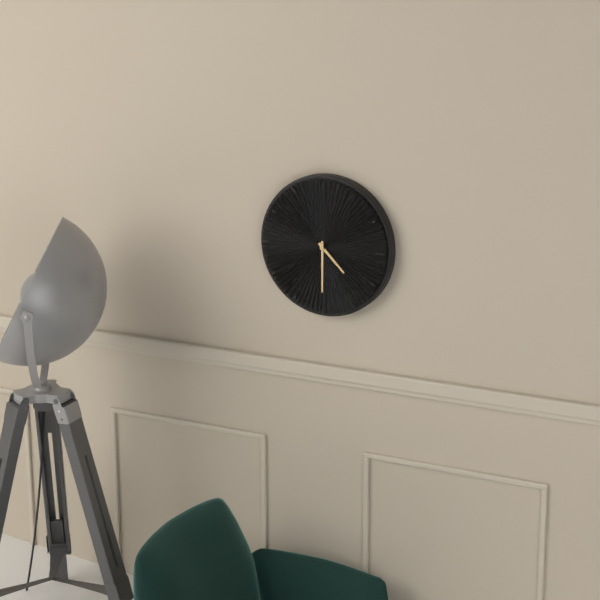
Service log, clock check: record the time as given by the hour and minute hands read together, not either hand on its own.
4:30
